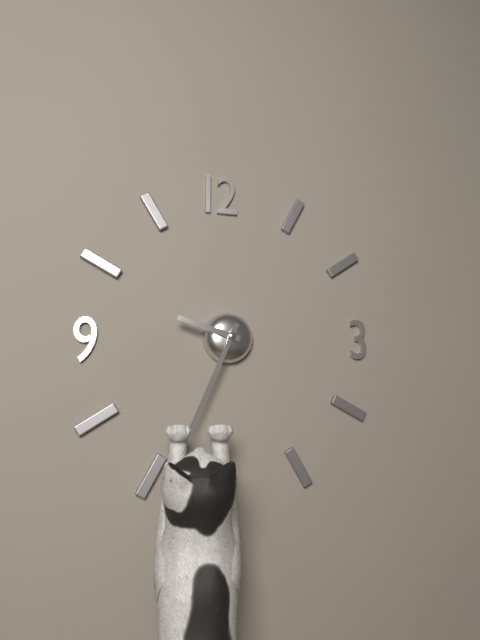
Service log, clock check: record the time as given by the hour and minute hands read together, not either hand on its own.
9:34
